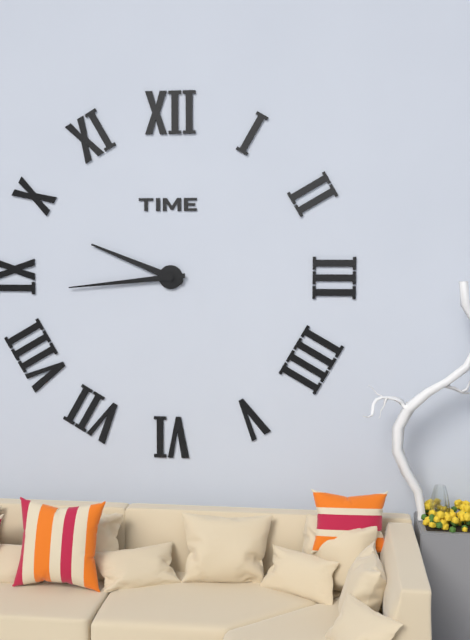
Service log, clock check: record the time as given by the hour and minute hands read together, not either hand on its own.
9:44
